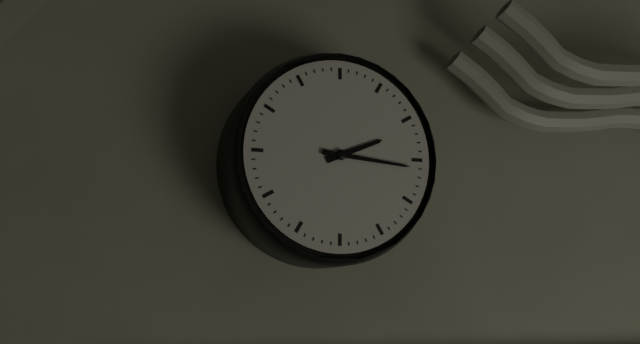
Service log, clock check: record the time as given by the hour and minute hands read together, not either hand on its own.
2:16
